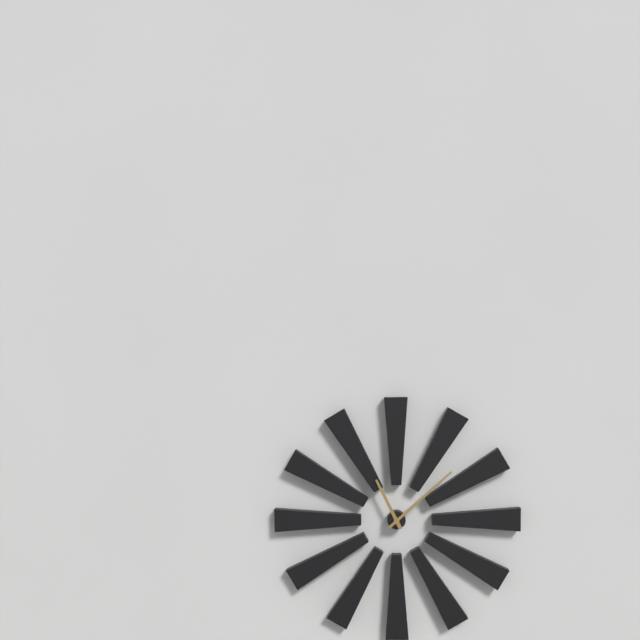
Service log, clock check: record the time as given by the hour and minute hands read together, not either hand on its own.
11:08
